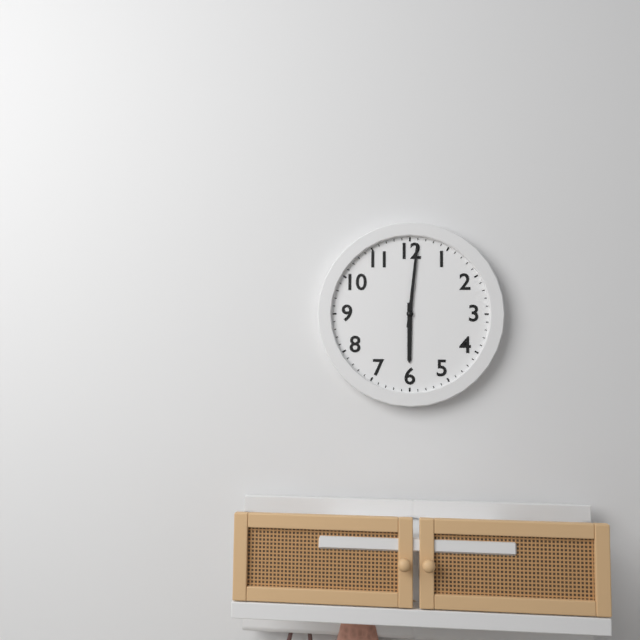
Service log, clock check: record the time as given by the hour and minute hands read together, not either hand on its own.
6:01
